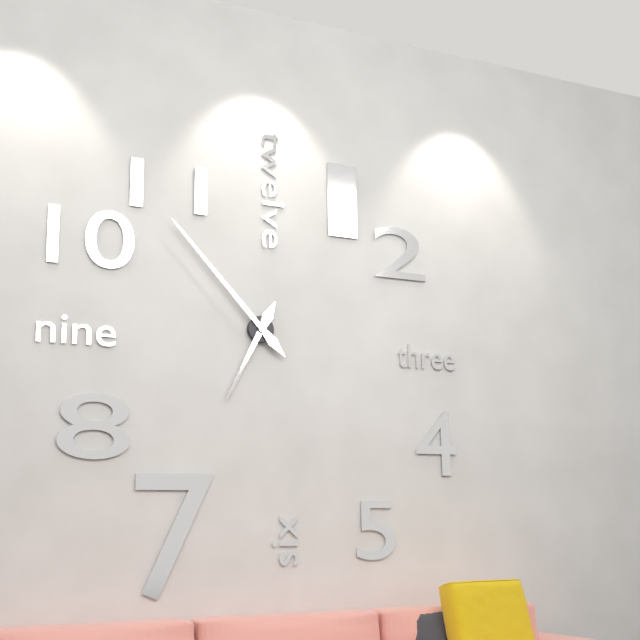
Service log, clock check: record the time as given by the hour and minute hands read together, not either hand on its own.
6:53
